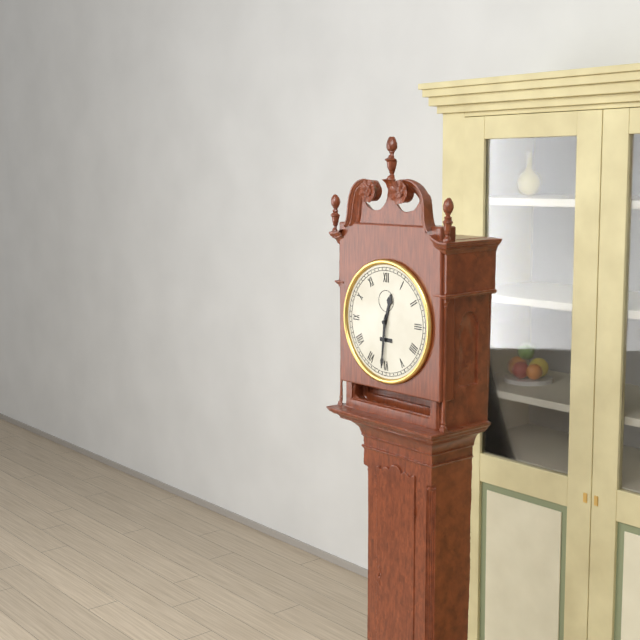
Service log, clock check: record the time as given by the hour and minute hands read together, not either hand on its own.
12:31
